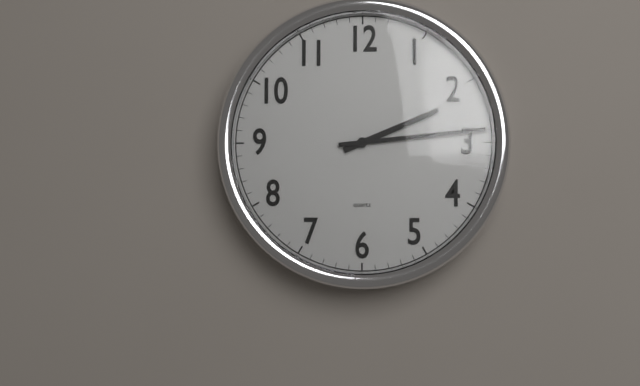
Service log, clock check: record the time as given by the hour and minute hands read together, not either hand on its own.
2:14
